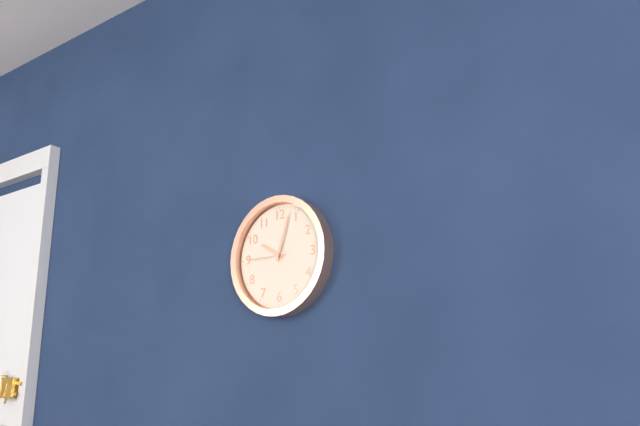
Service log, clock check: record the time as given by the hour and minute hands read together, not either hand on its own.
10:03
